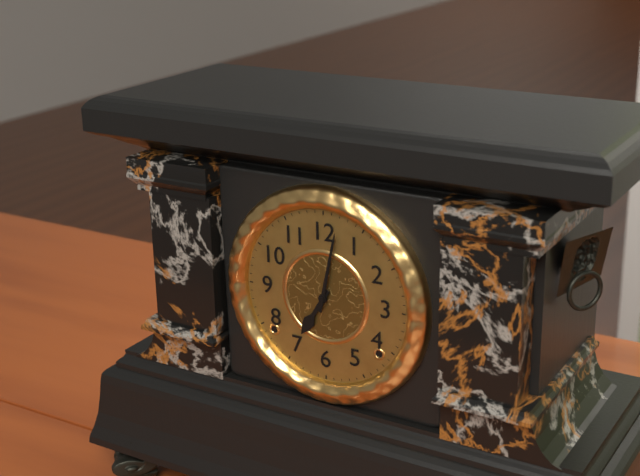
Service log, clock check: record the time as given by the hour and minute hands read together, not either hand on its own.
7:02
